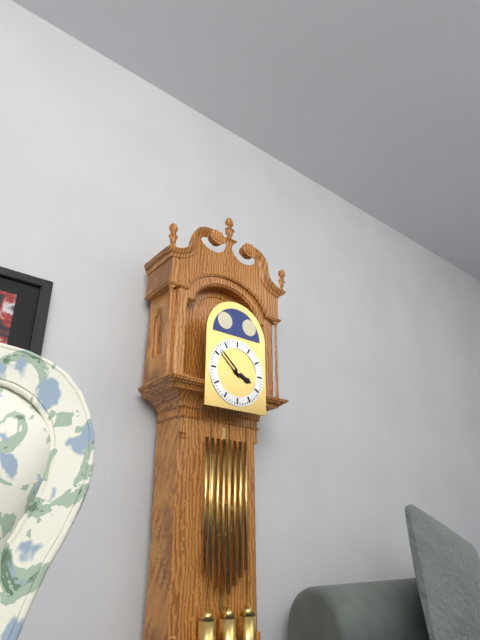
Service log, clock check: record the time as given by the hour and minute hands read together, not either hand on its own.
3:52
